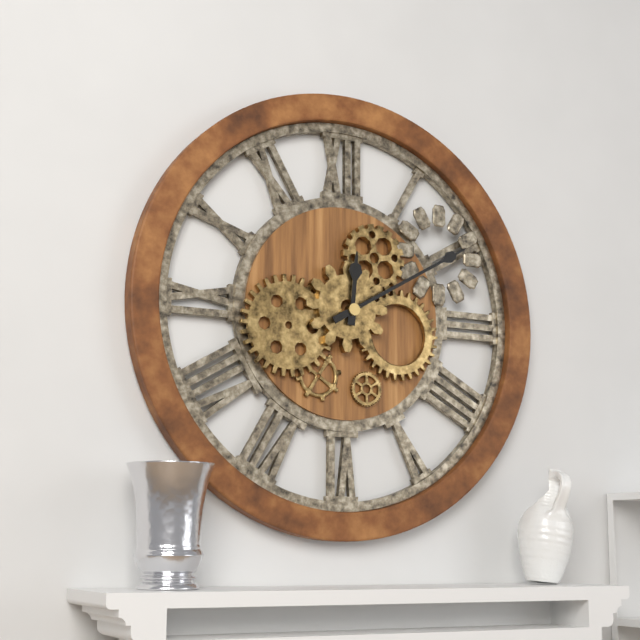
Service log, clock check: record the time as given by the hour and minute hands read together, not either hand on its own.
12:10
